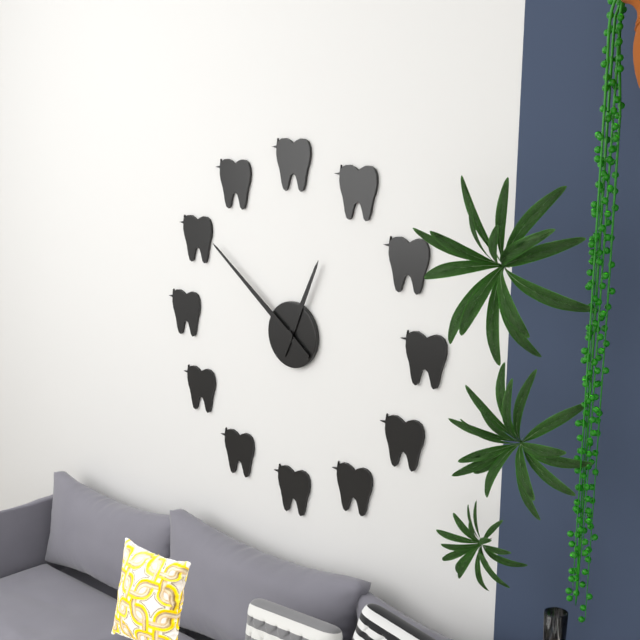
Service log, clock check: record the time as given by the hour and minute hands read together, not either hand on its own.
12:51
